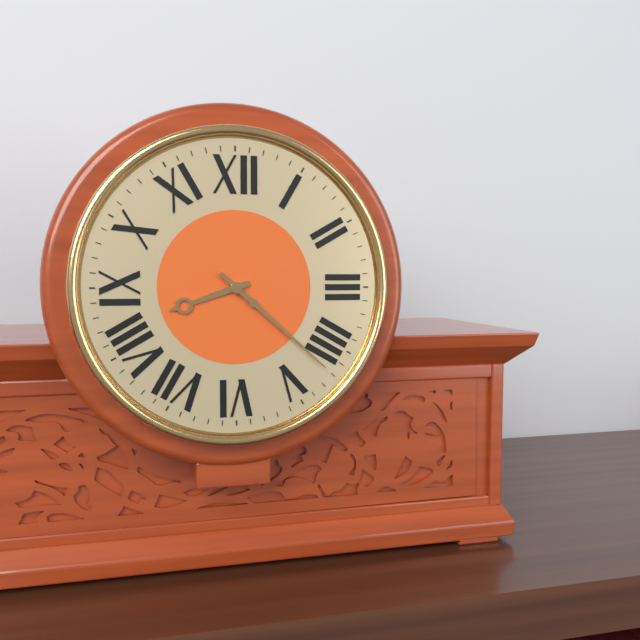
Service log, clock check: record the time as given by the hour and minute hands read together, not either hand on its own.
8:22
